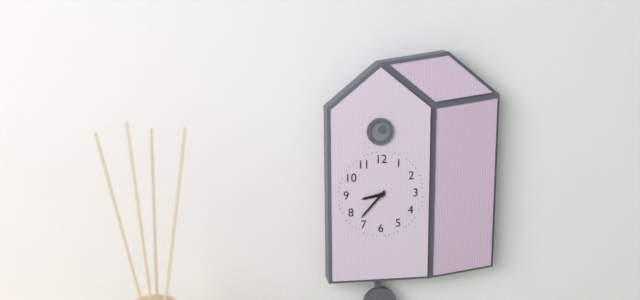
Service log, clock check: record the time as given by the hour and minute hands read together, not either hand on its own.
8:37
